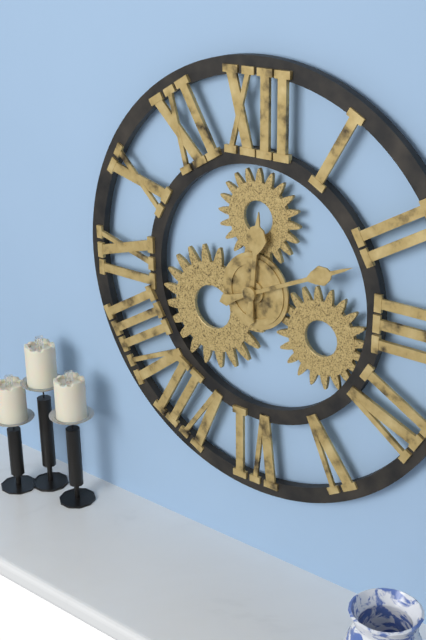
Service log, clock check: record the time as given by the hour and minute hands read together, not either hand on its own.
12:11
